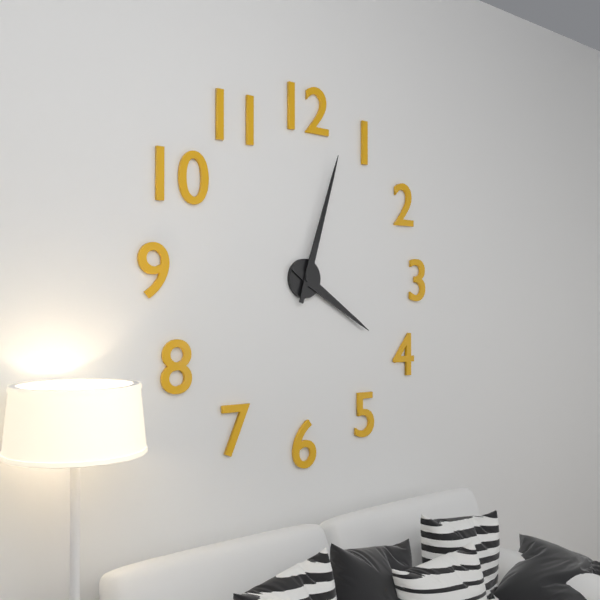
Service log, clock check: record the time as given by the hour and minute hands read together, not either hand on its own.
4:03
